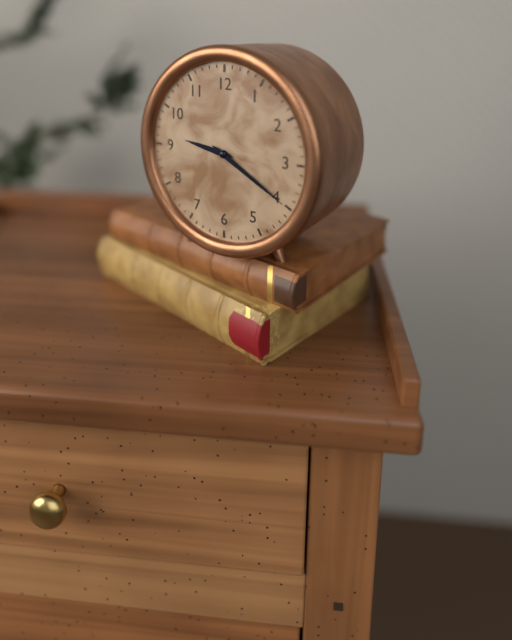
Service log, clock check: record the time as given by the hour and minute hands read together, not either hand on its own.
9:20
